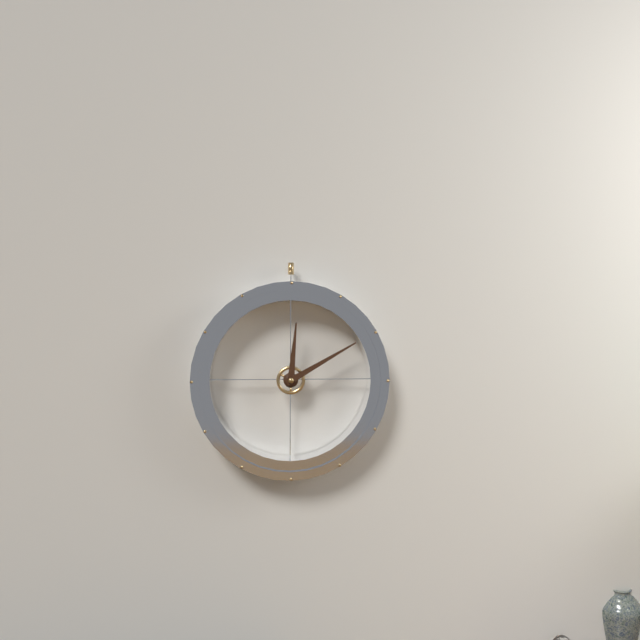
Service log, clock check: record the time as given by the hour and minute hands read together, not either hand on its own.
12:10
